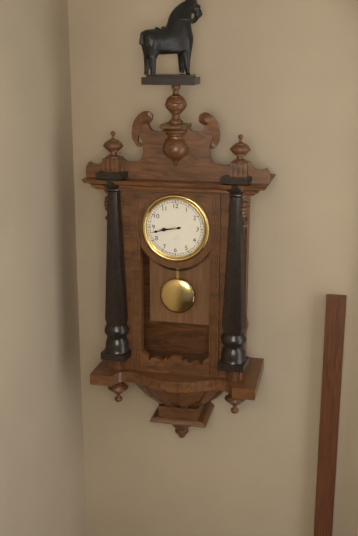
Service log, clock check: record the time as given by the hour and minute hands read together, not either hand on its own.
8:43
